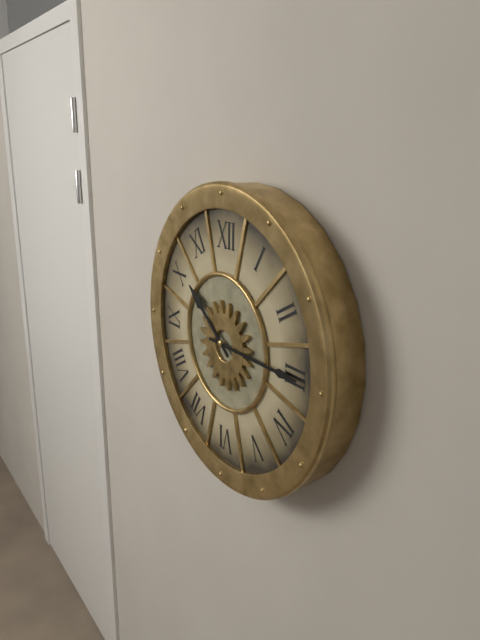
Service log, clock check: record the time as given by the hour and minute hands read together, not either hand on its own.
10:15
